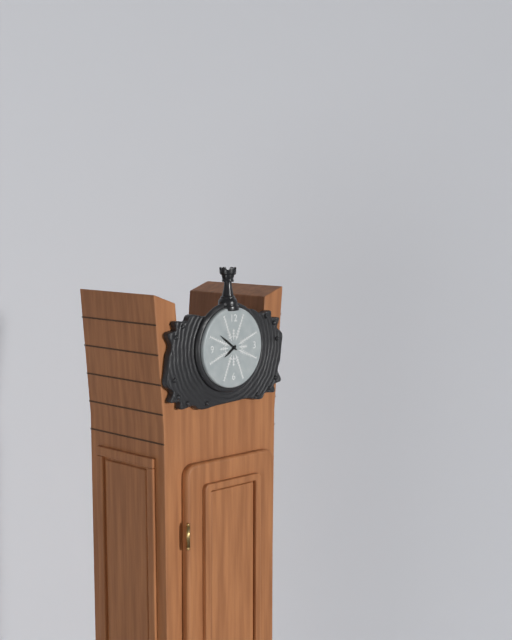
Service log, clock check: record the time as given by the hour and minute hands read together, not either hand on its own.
7:51
